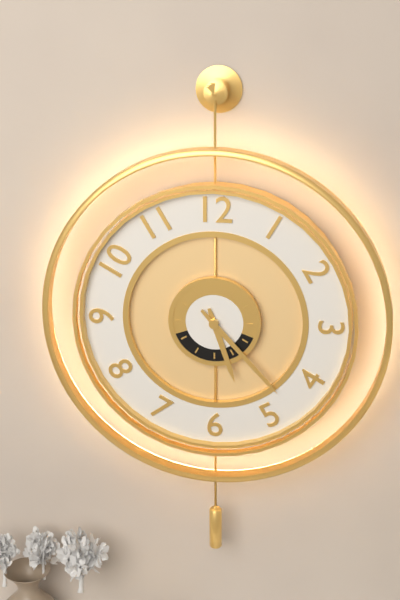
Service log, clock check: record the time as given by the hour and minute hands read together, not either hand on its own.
5:23
